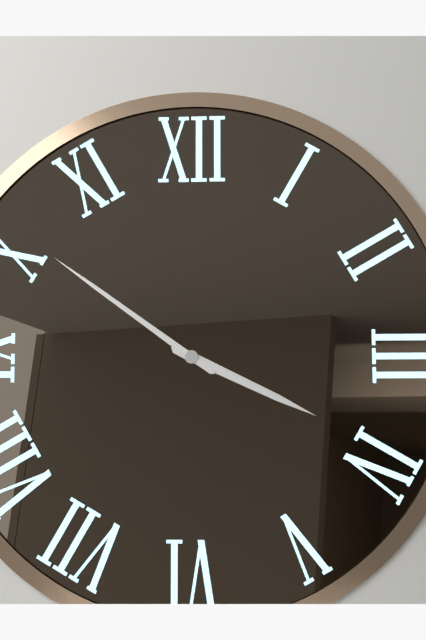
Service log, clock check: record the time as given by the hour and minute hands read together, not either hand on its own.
3:51
